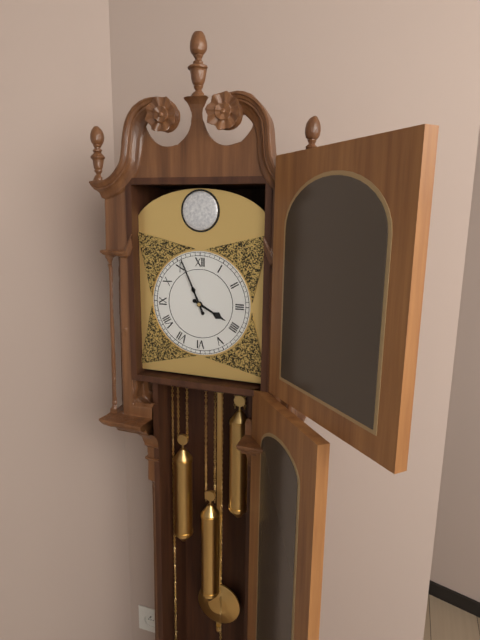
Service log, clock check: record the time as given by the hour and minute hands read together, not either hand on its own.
3:56
